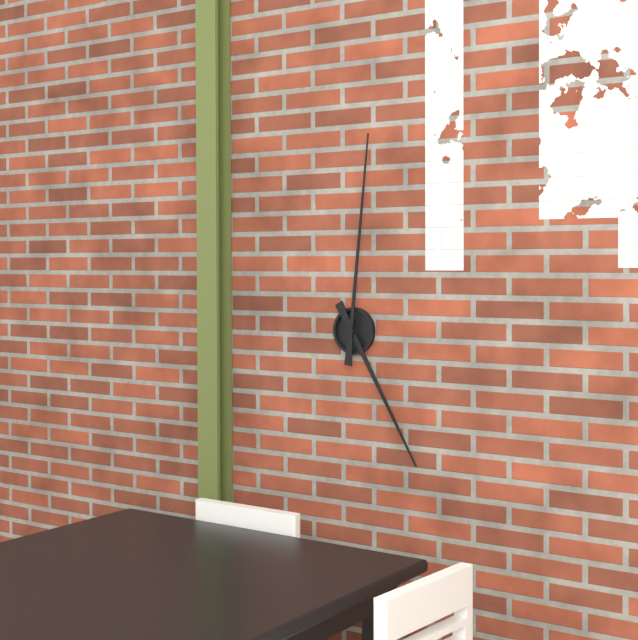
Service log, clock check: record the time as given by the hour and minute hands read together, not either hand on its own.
5:01
